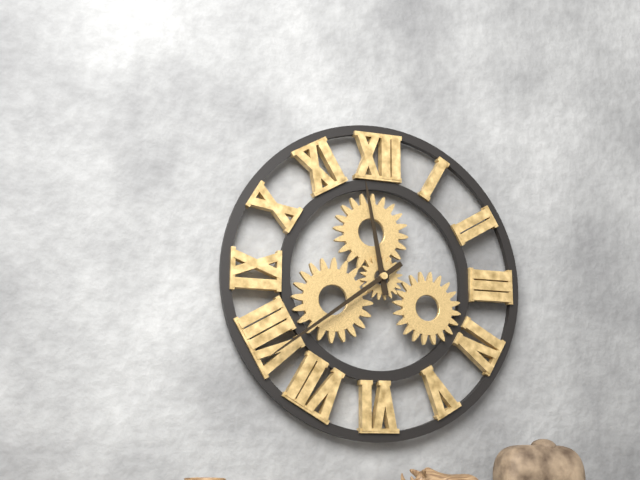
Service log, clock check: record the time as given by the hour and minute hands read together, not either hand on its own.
11:39
